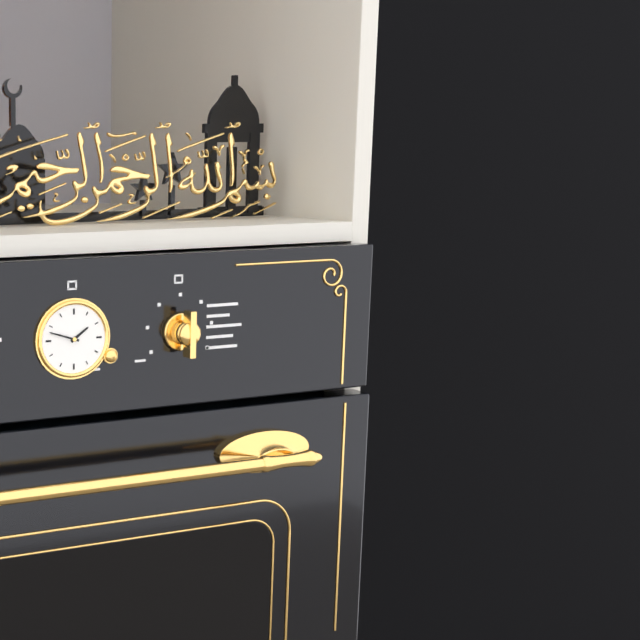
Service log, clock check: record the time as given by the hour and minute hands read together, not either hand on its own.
1:48
